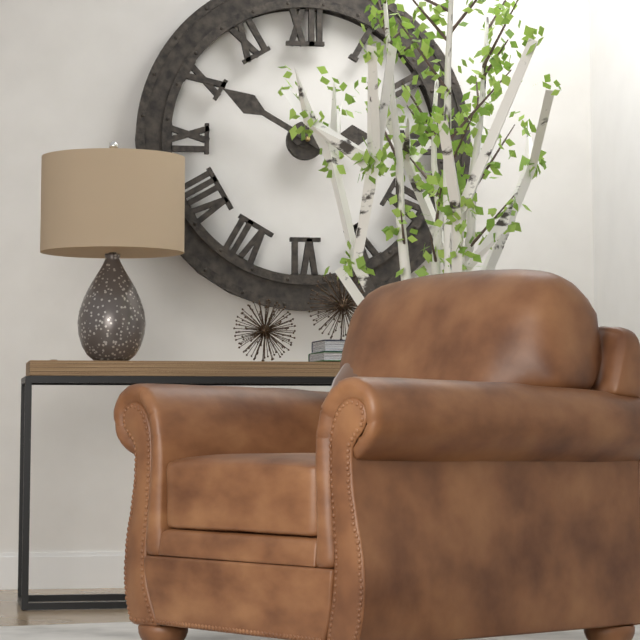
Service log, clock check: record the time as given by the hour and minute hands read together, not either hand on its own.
2:50
